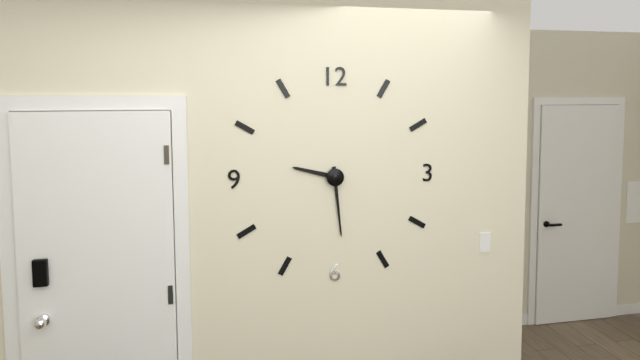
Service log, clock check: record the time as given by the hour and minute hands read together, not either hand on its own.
9:29
